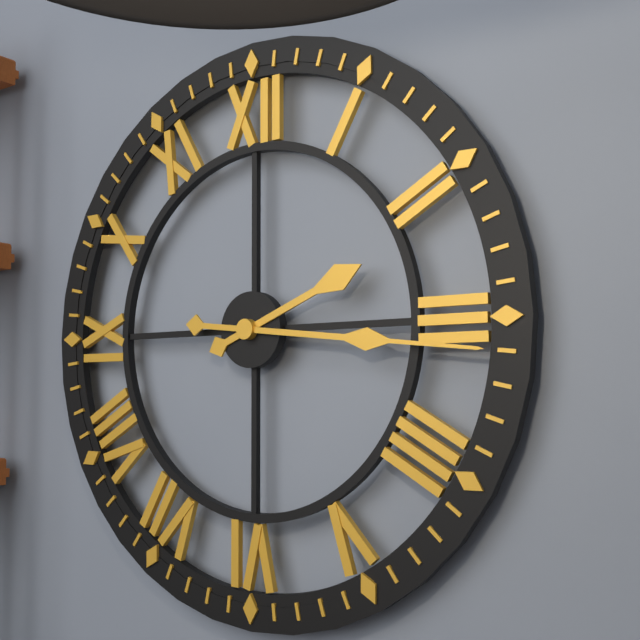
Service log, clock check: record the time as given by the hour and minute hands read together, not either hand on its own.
2:16
